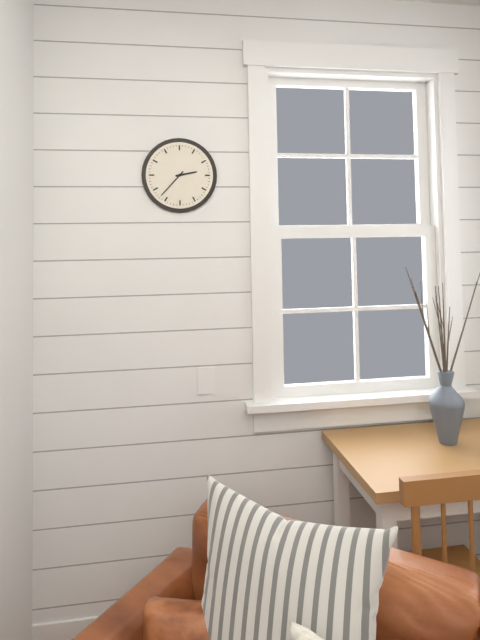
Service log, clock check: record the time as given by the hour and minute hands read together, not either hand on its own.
2:37
